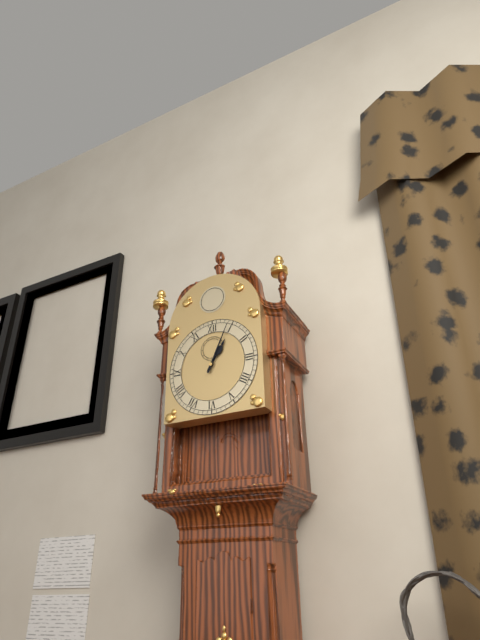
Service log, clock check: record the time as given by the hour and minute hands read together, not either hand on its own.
1:04
